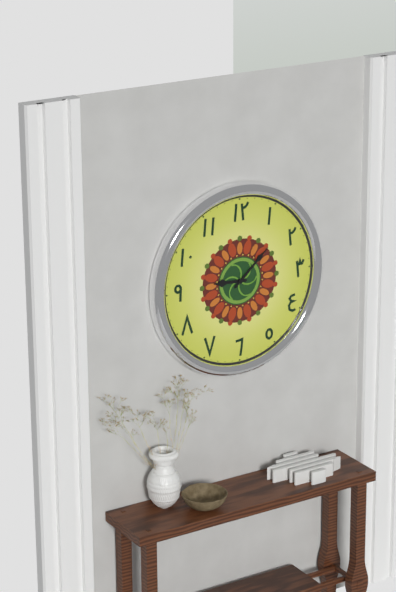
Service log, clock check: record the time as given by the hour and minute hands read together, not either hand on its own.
9:08
